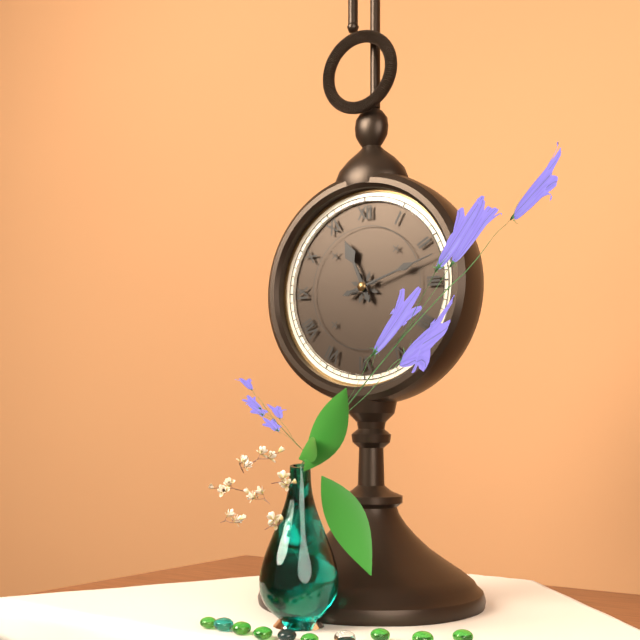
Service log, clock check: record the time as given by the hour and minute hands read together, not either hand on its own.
11:12
